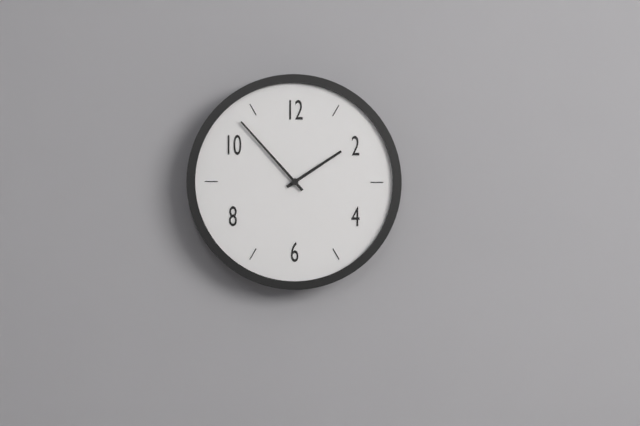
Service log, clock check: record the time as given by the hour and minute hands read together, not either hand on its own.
1:53
